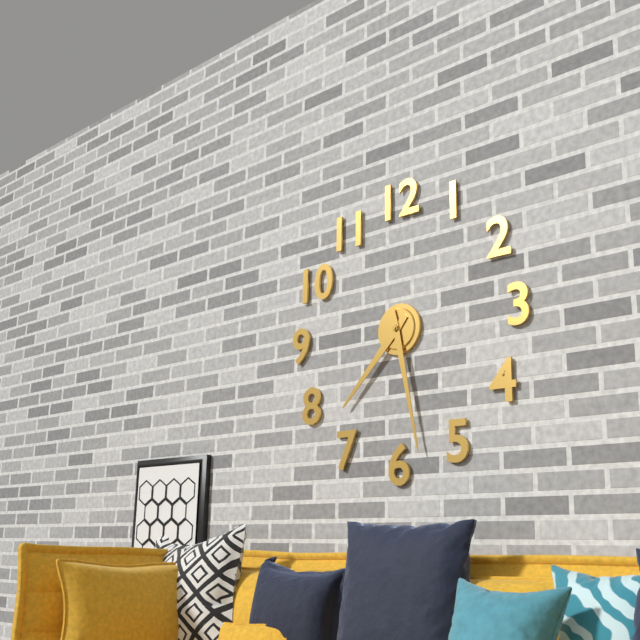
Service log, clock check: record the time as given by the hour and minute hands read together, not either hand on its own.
7:28
